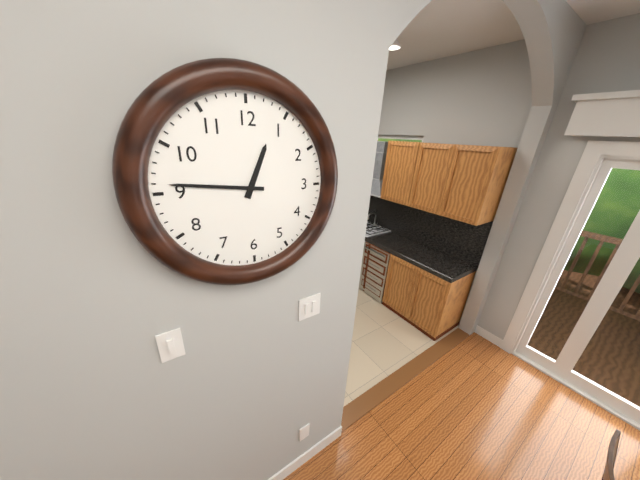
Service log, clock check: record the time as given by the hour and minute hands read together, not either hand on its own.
12:46
